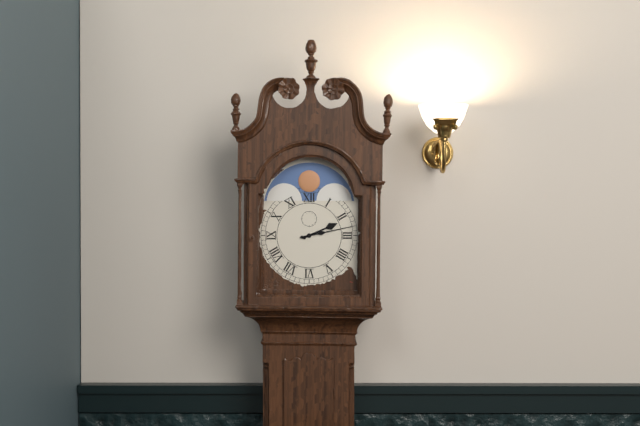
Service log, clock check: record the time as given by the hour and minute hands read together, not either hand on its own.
2:13
